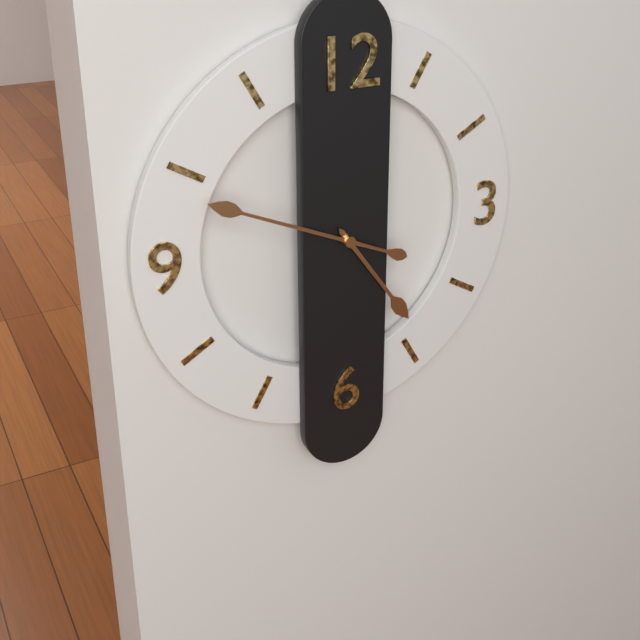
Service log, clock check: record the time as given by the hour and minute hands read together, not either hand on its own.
4:49
